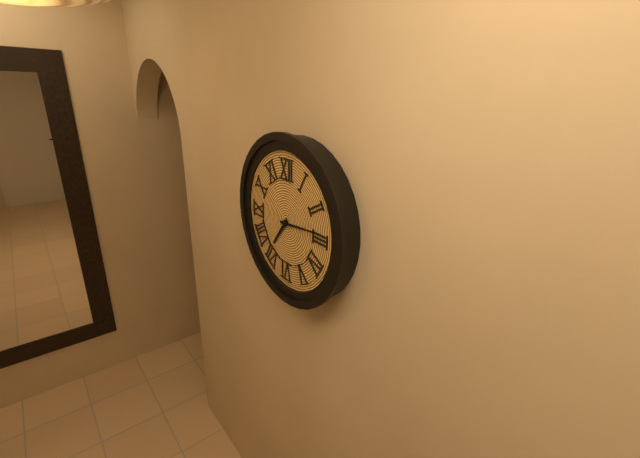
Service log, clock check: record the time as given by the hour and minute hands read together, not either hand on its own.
7:14
